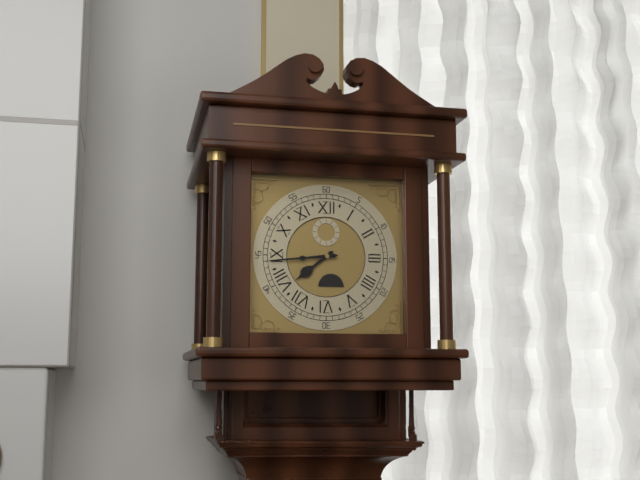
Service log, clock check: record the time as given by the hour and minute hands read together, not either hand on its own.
7:44
